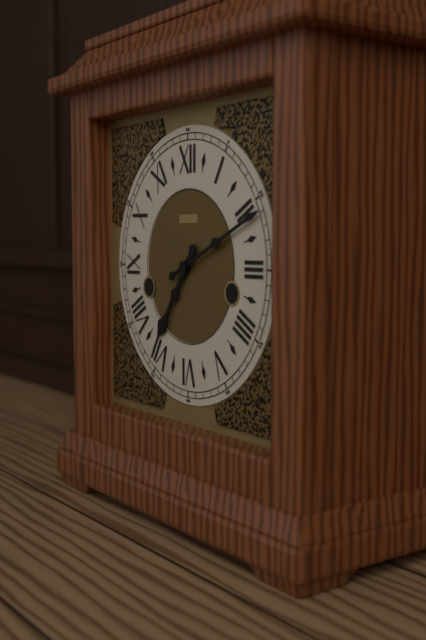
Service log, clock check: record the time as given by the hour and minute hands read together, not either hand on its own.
7:11
